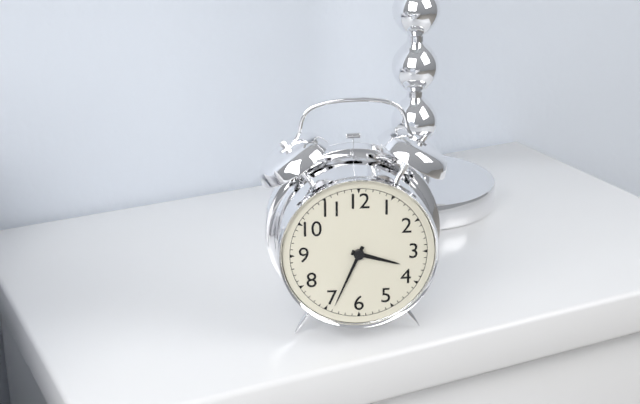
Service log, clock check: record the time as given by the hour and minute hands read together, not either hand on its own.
3:34
